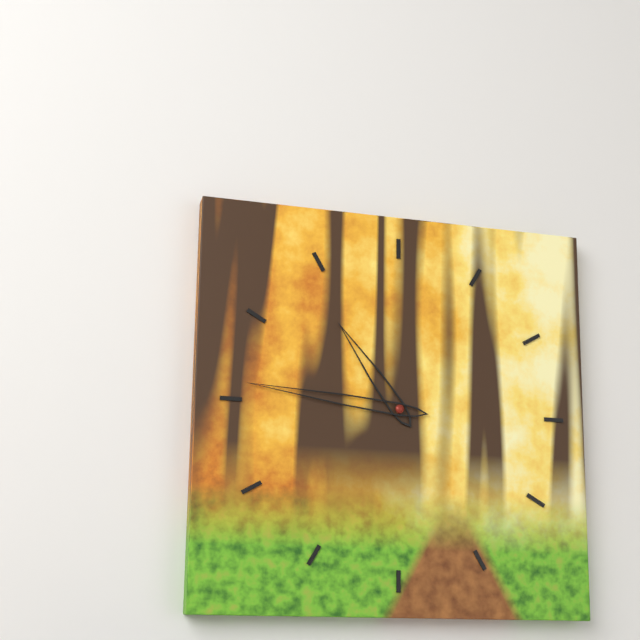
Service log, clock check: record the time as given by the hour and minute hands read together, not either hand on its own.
10:46
